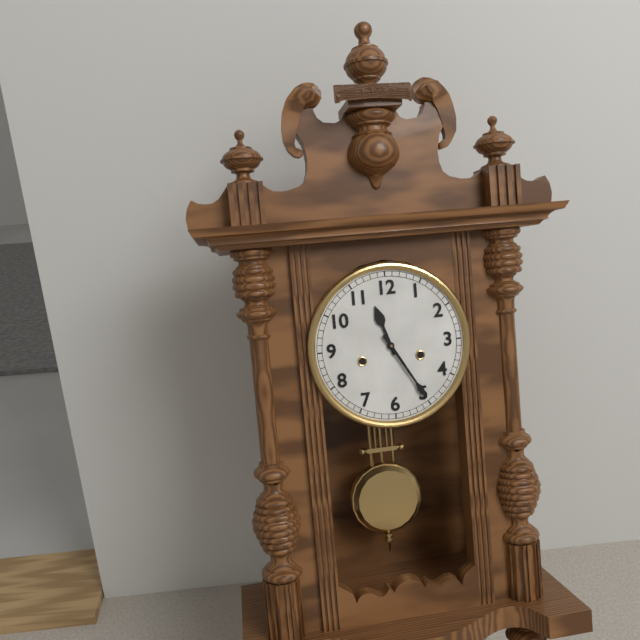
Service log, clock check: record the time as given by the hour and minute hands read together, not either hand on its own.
11:25
